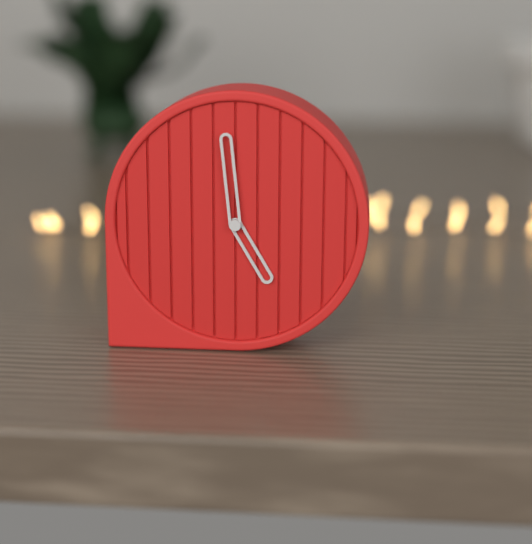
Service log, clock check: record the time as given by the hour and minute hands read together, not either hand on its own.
4:59
